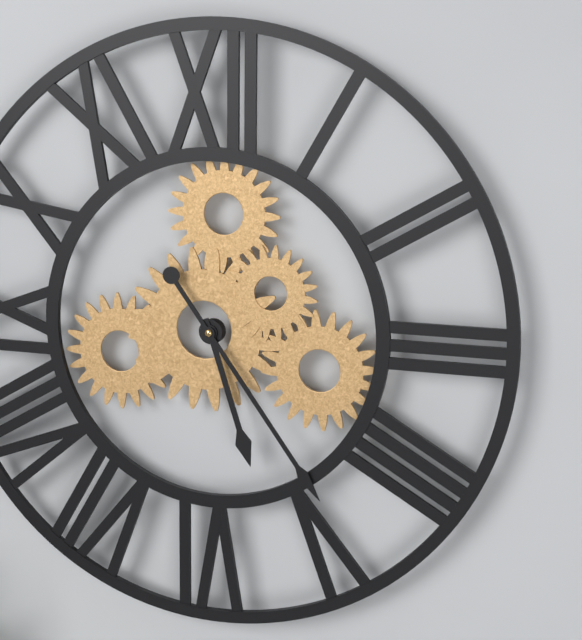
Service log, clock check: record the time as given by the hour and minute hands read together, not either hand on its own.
5:24
